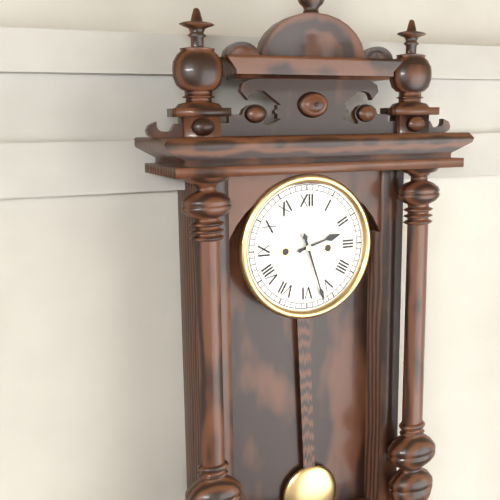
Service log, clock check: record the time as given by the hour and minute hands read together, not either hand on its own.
2:27
